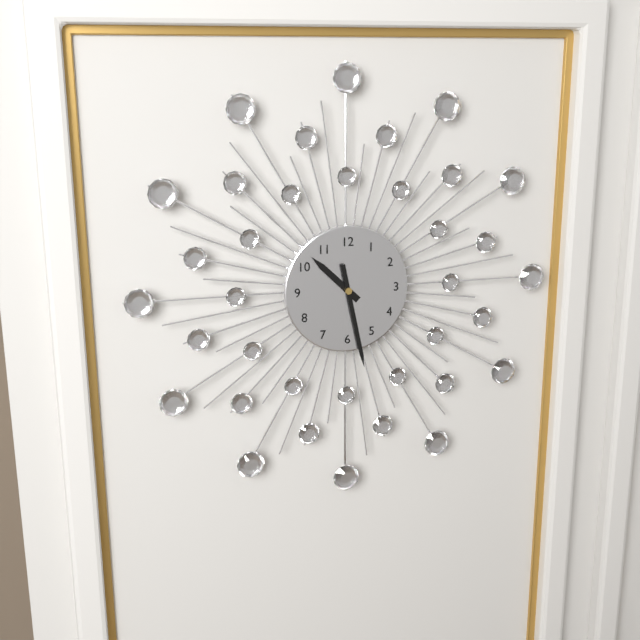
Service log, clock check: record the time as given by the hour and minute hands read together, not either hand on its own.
10:28
